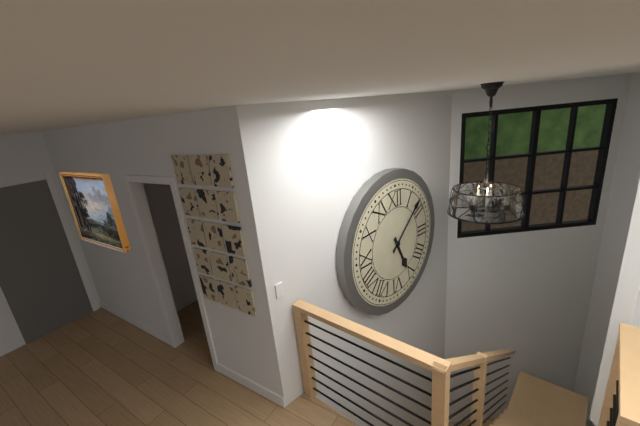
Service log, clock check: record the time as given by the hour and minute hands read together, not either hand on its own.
5:08
